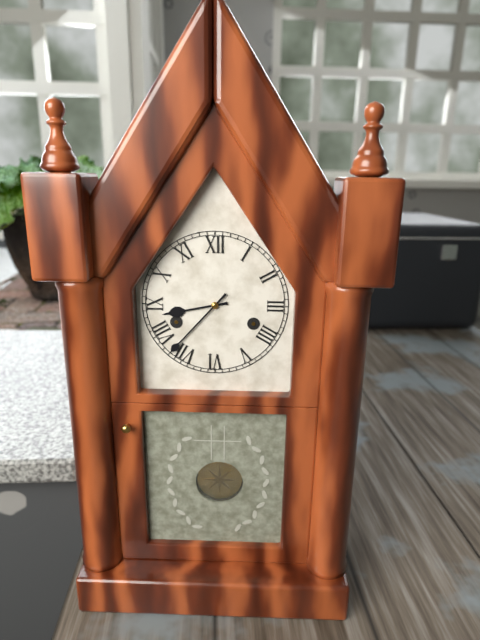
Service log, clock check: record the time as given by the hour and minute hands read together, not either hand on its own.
8:37
